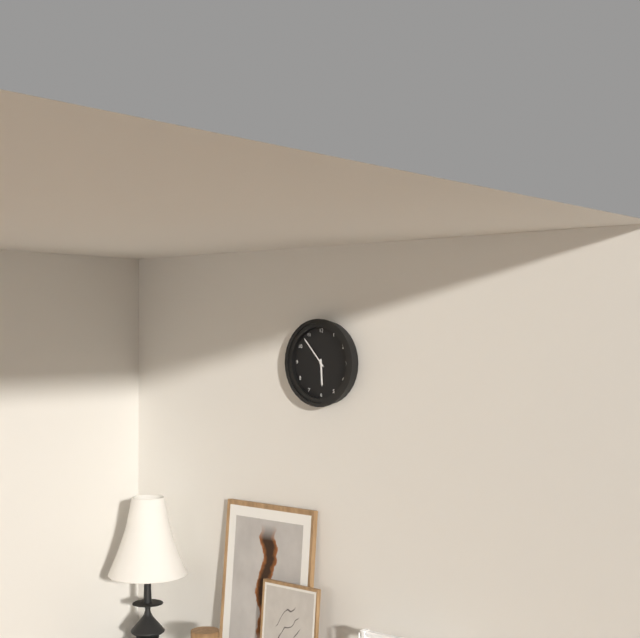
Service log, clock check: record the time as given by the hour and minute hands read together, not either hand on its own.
5:53
